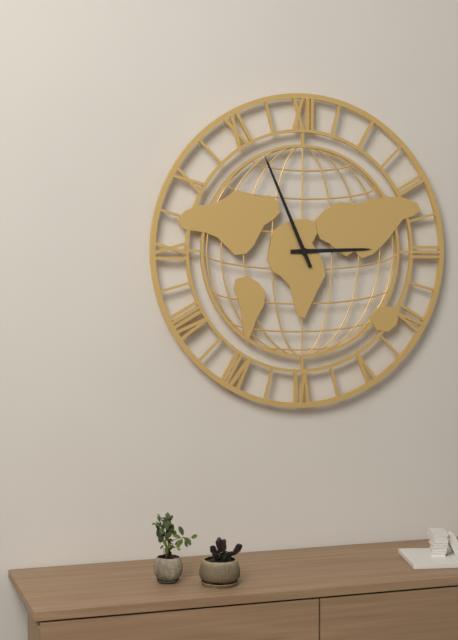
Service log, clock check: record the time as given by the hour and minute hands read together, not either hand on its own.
2:56
